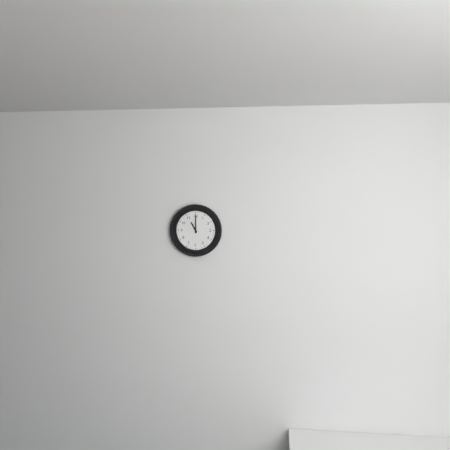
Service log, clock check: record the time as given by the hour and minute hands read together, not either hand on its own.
11:00
